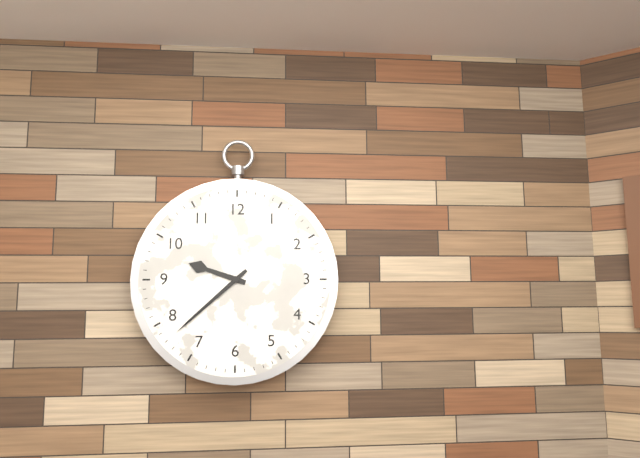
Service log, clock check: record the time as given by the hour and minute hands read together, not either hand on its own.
9:38
